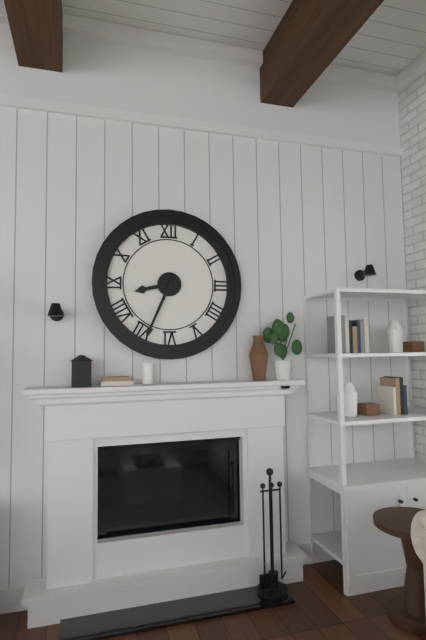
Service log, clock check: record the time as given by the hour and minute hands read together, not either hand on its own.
8:34
